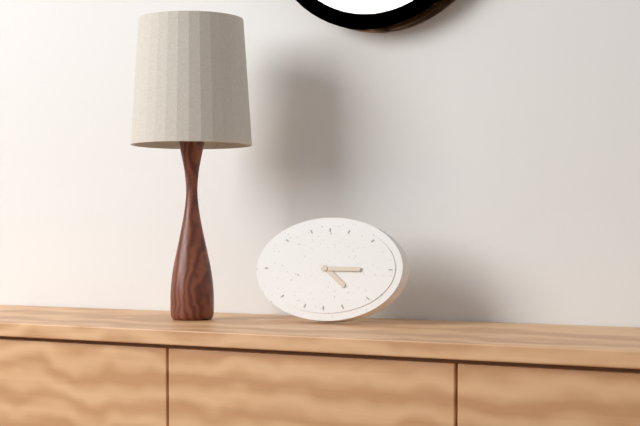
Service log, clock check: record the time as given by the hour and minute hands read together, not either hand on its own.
4:15
